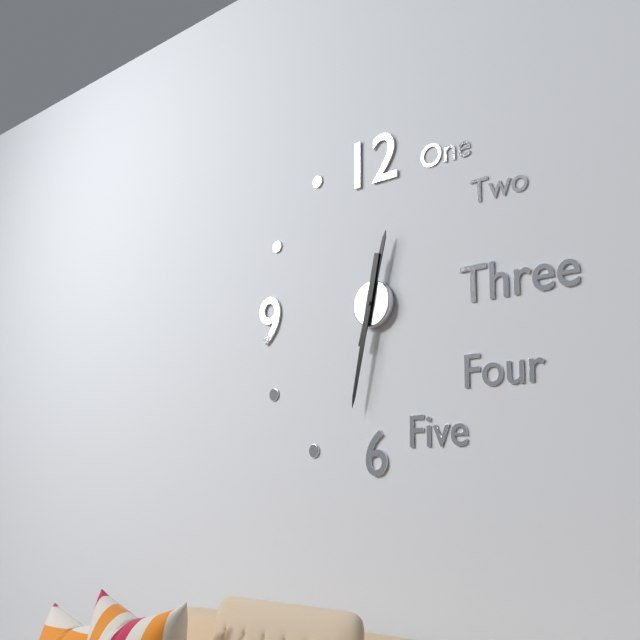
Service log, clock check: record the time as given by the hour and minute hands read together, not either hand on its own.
12:32
